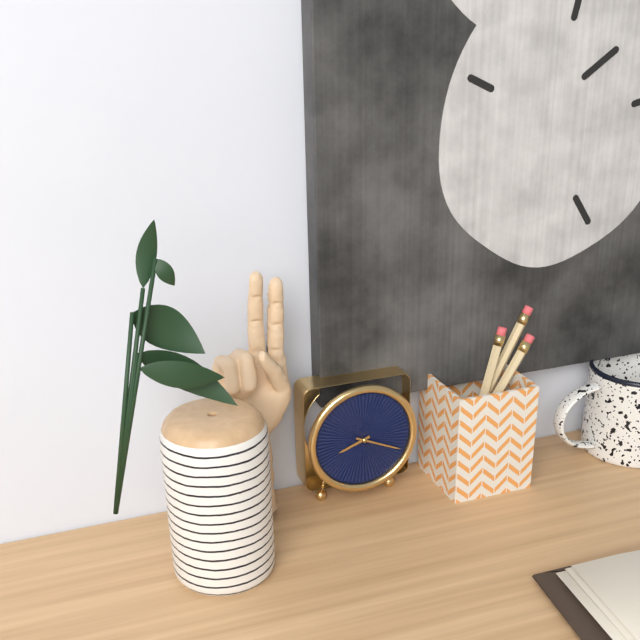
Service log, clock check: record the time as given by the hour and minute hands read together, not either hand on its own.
8:19
